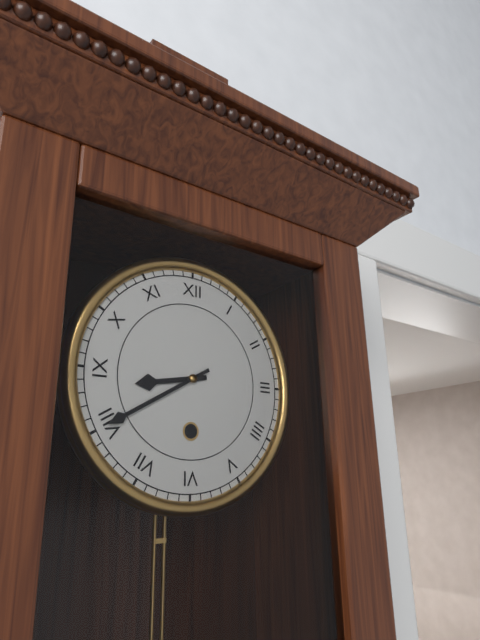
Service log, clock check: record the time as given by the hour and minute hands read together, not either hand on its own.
8:40
